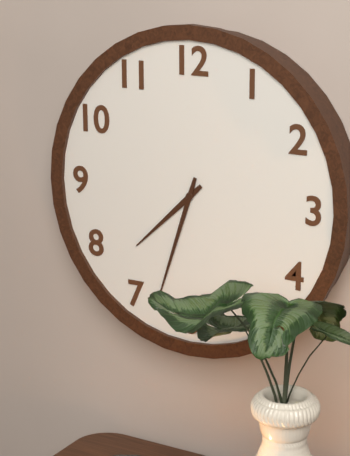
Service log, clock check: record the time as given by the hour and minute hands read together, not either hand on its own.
7:33
